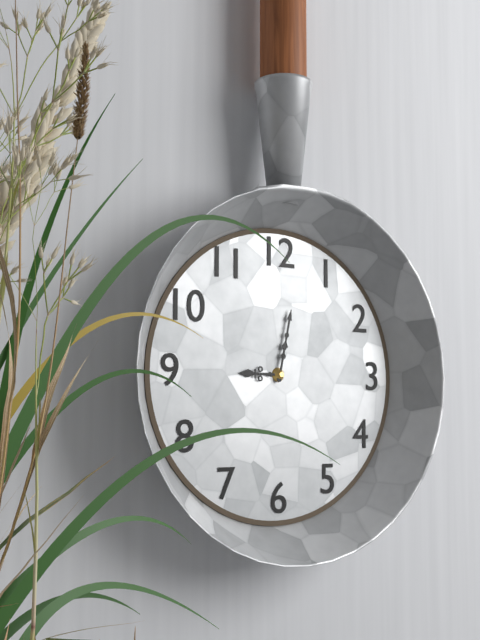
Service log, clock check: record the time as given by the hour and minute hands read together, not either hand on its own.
9:02
